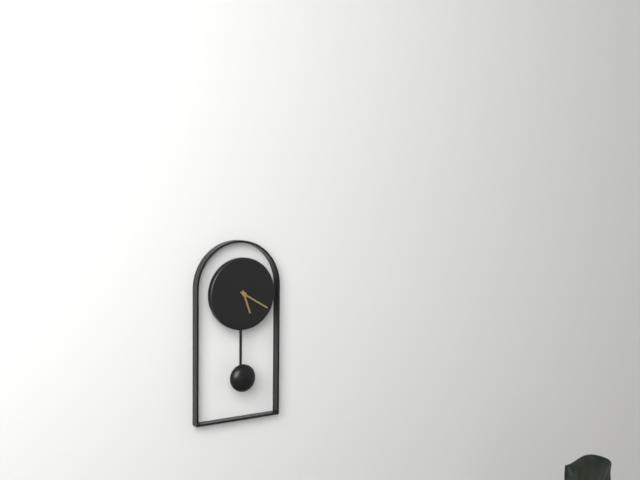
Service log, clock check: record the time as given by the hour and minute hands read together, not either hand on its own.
5:20
